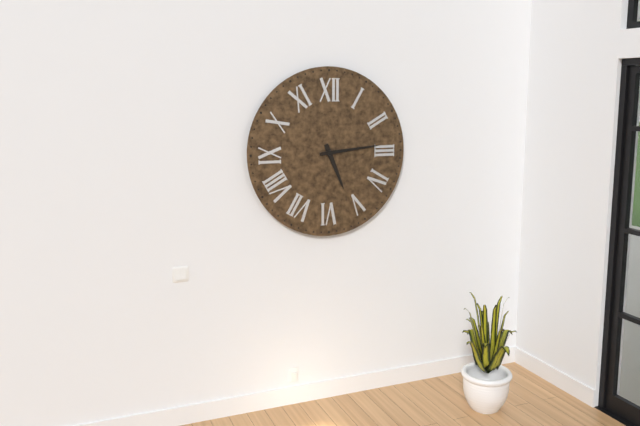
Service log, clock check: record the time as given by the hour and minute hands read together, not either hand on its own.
5:14
